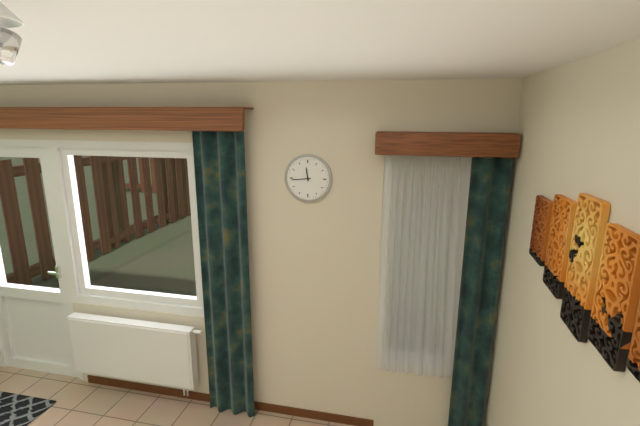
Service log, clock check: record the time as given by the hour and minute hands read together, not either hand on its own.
11:44
